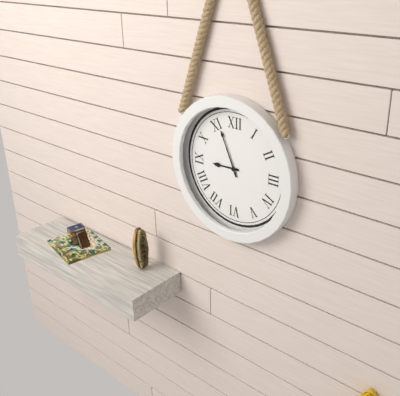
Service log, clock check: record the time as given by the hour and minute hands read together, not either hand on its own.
8:56
